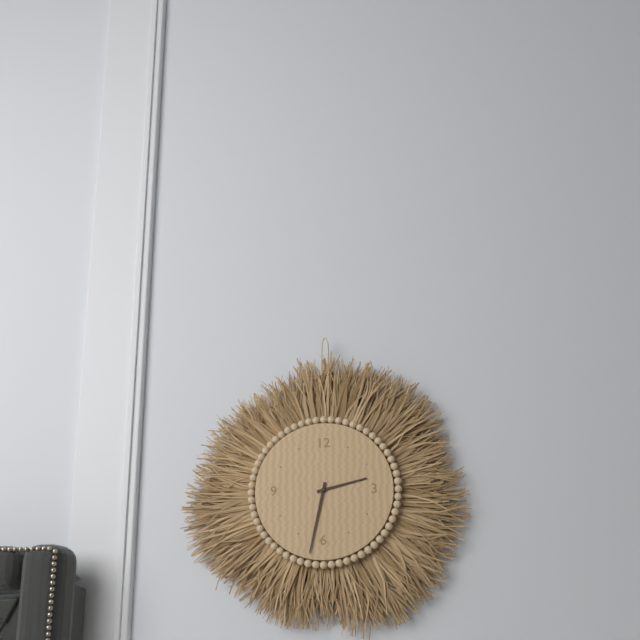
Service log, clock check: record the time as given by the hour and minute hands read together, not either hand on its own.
2:32
